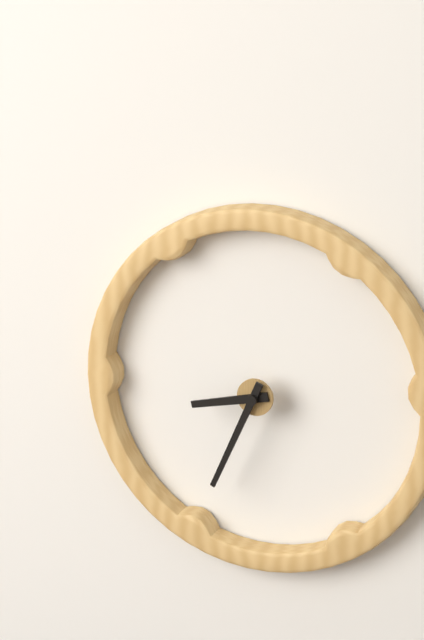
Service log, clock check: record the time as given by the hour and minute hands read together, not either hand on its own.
8:34
